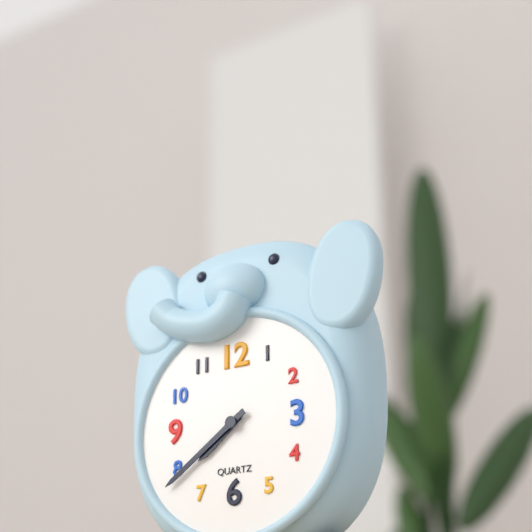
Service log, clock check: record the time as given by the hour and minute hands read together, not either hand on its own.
7:39
